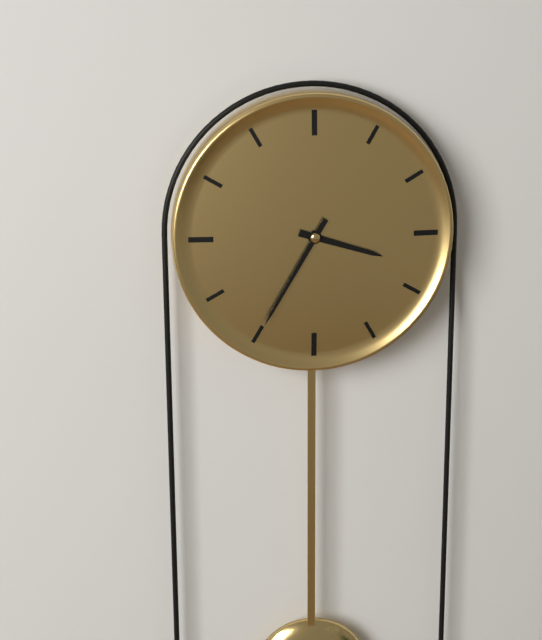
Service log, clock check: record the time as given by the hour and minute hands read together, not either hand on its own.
3:35
